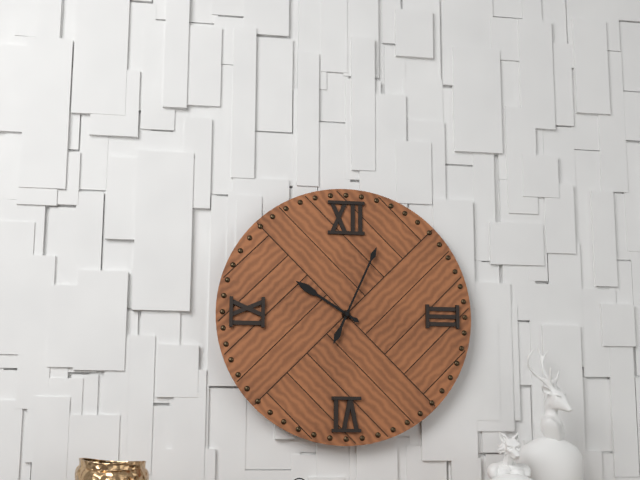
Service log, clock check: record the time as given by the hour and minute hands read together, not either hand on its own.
10:04
